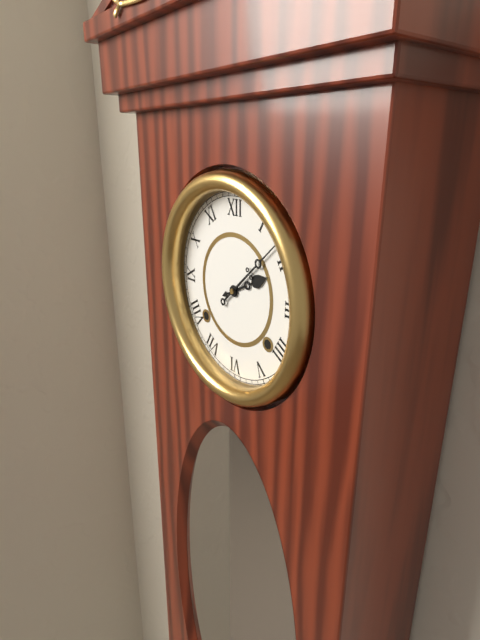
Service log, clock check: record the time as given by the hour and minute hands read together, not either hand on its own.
2:08
